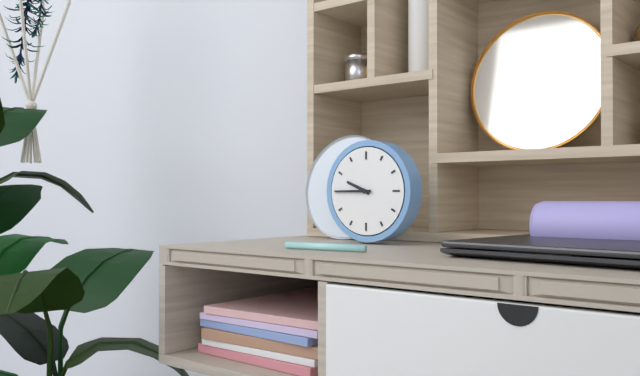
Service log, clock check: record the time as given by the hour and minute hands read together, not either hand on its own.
9:45
